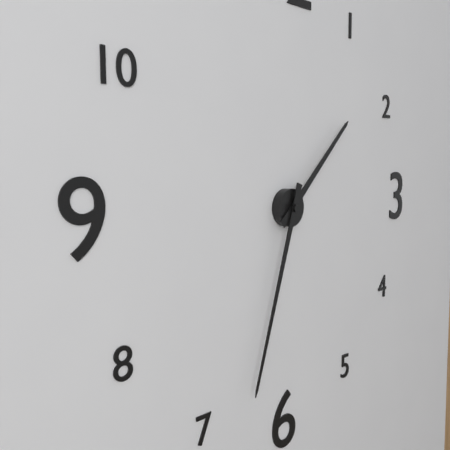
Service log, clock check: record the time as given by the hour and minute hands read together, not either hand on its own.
1:33
